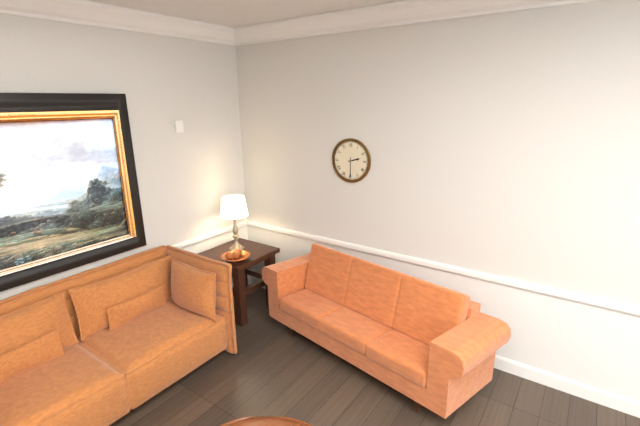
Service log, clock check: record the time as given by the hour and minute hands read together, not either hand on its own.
2:30
